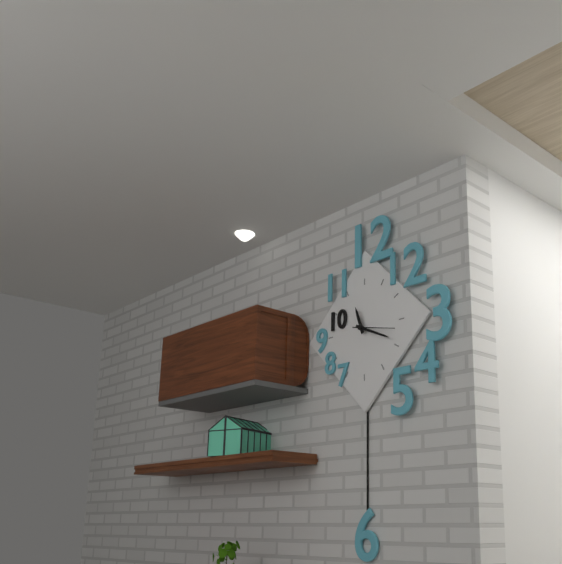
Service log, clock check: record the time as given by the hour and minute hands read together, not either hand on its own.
11:19
